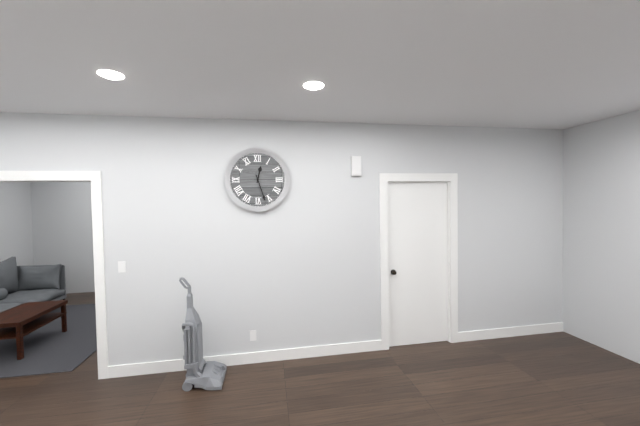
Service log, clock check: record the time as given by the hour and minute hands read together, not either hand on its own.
12:27
